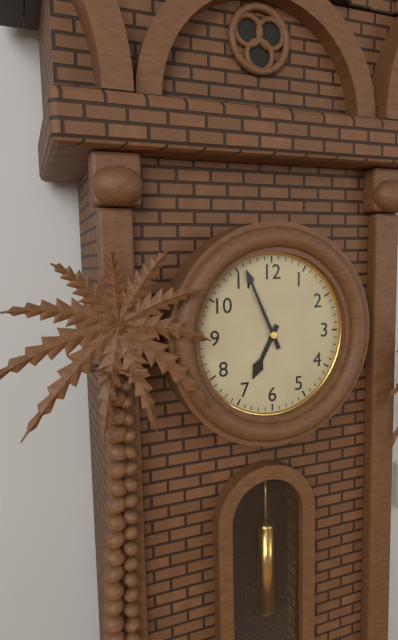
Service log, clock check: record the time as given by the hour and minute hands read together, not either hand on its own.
6:56
